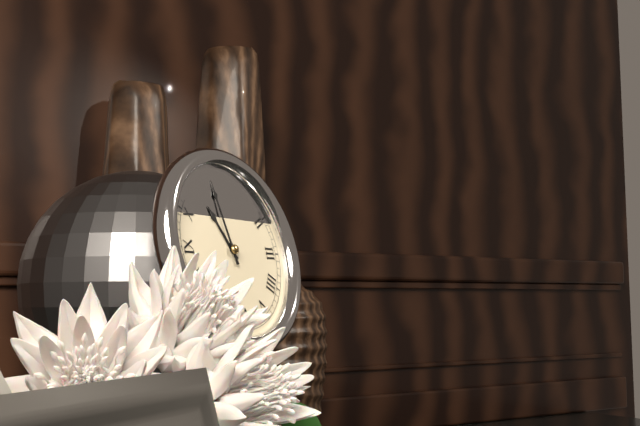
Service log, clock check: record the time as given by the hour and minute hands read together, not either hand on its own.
10:58
